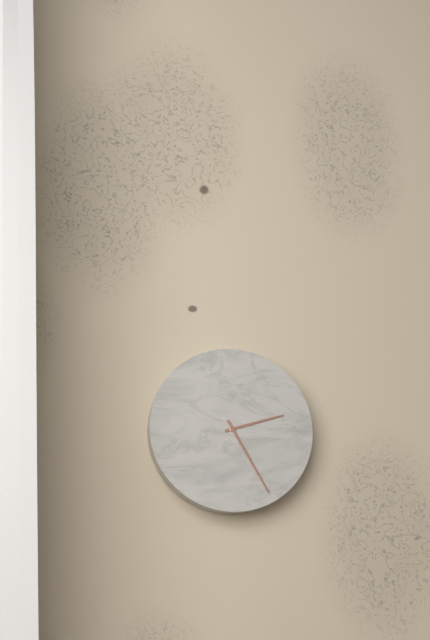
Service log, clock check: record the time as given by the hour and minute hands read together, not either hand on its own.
2:25
